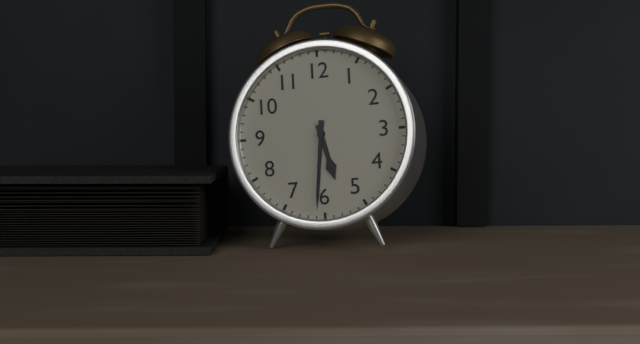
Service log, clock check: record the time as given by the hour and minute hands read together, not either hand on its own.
5:31
